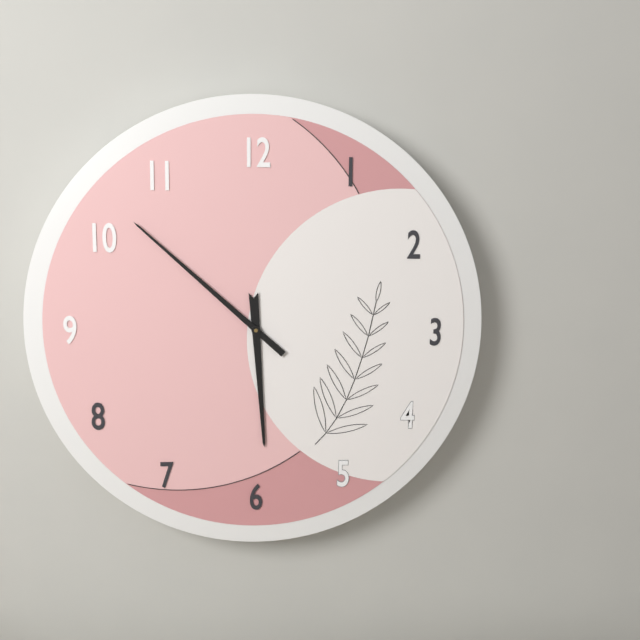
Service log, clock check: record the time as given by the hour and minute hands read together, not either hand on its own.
5:52
